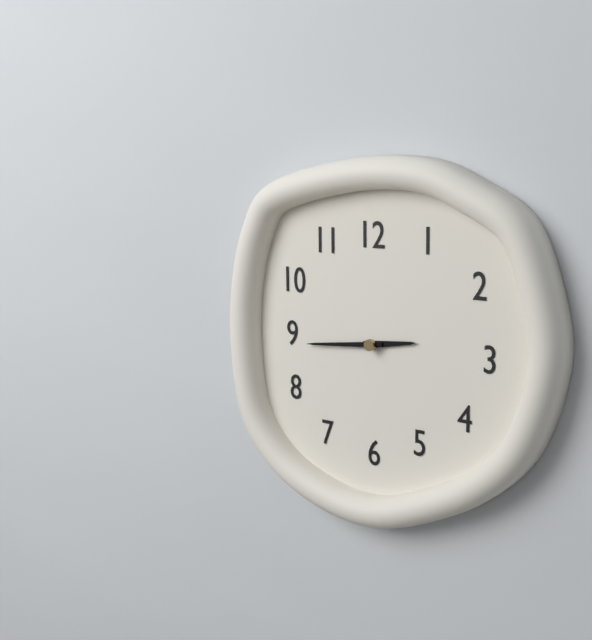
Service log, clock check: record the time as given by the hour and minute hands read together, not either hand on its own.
2:44
